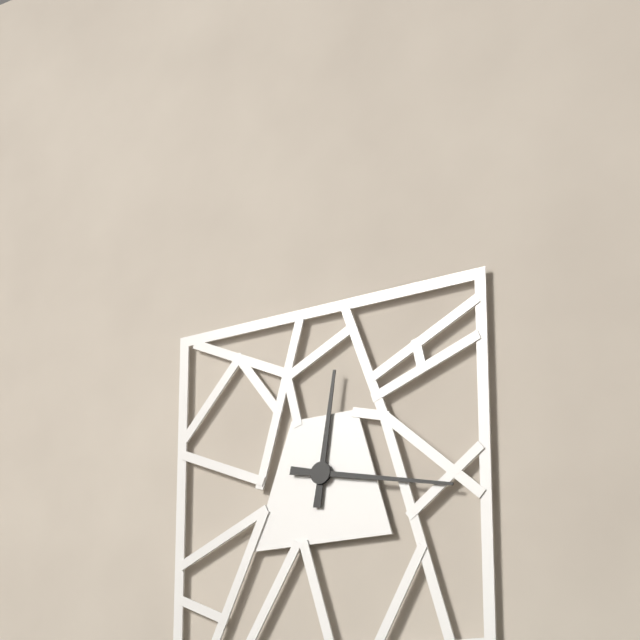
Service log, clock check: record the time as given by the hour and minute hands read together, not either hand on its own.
12:17
